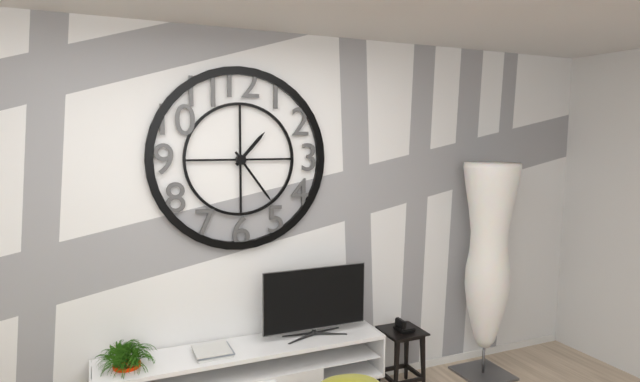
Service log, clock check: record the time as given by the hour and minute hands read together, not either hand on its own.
1:24
